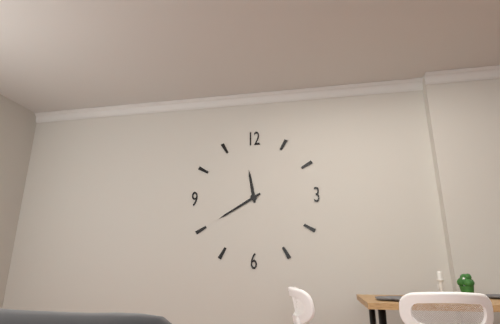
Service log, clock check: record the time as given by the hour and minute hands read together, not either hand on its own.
11:40
